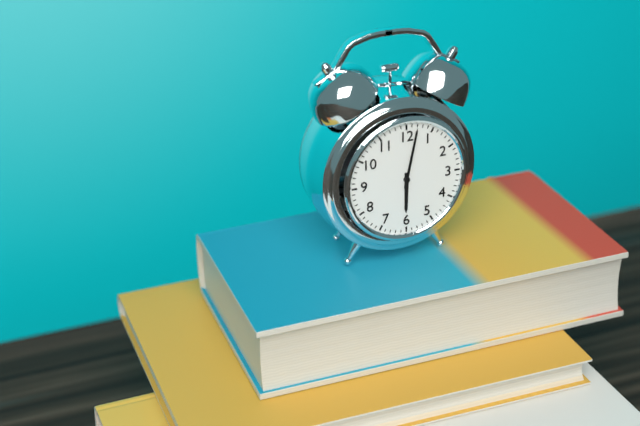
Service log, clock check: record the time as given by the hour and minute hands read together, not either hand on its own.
6:02
